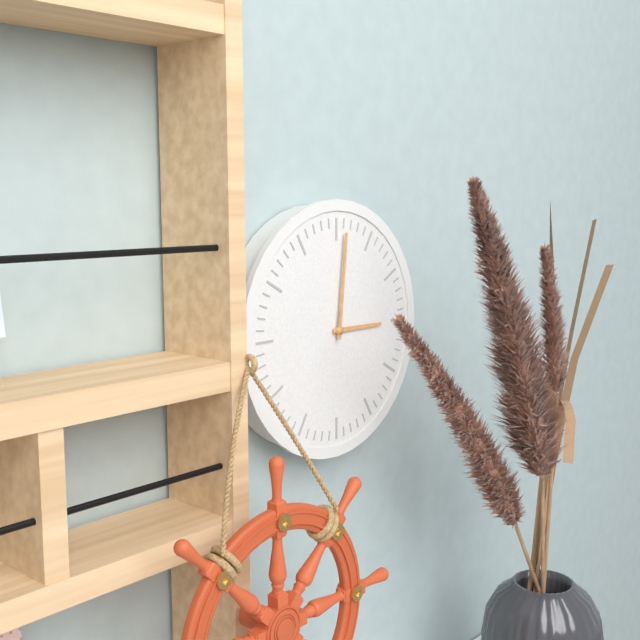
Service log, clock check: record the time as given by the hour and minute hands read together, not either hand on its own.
3:01
